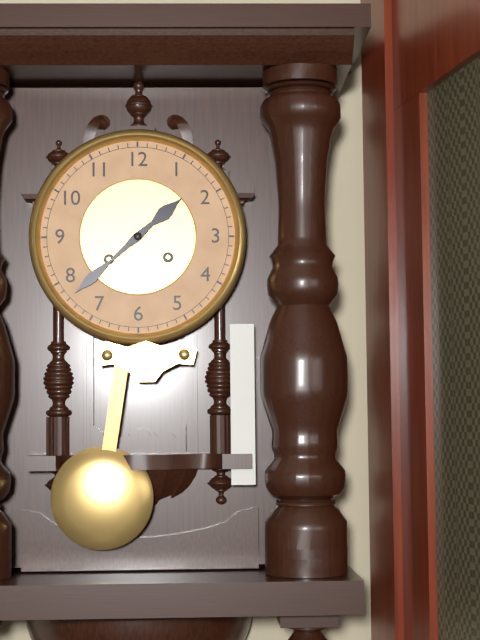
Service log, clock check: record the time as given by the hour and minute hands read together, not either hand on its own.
1:38
